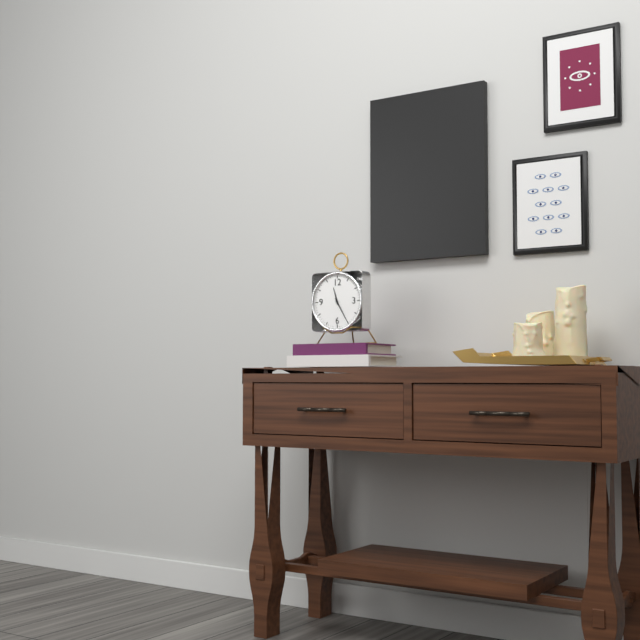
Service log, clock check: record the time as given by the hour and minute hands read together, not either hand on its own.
11:25
